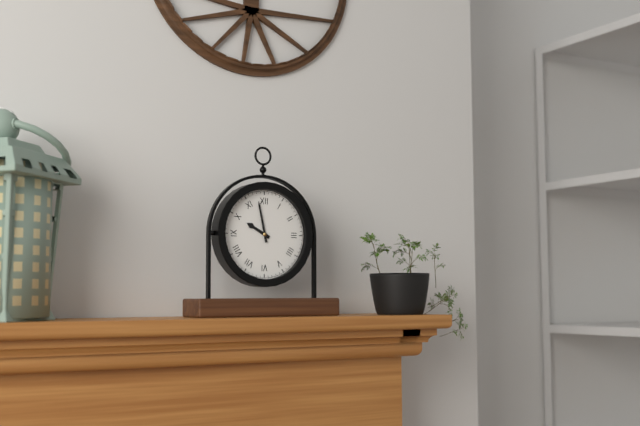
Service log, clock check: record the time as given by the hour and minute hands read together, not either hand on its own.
9:58
